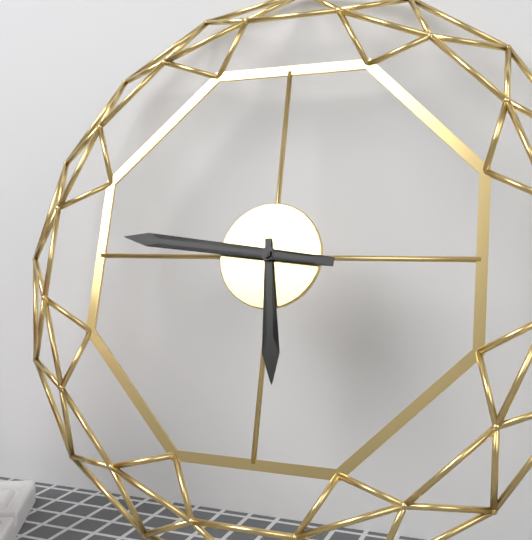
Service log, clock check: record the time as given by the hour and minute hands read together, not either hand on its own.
5:46
